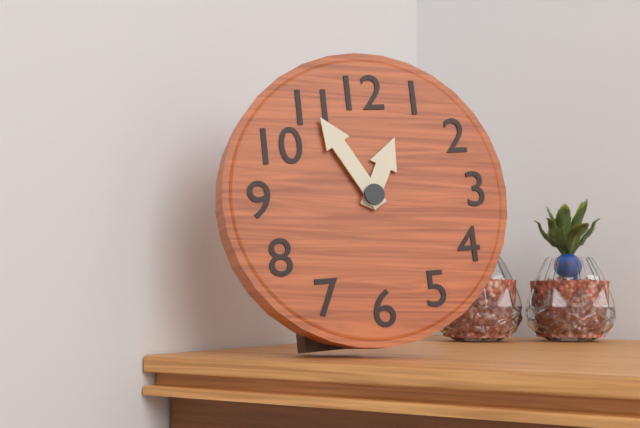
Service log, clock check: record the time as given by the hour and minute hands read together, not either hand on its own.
12:55
